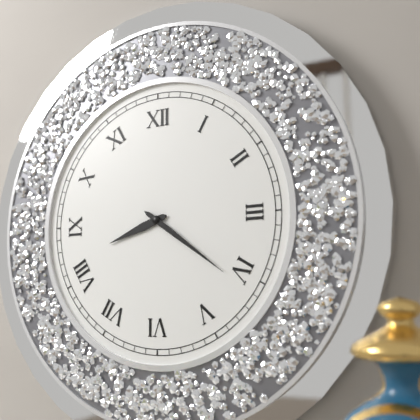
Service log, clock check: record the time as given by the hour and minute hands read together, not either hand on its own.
8:21
